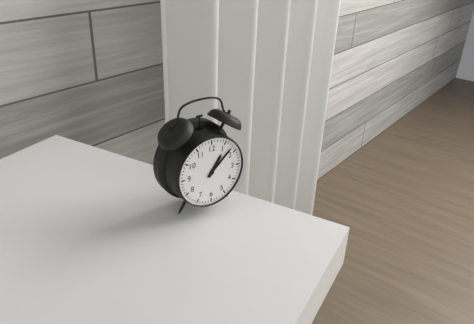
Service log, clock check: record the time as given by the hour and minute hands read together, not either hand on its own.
1:08
